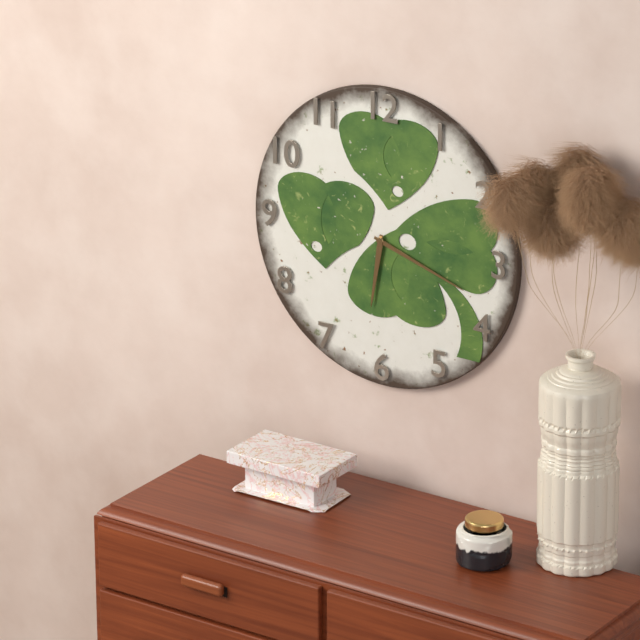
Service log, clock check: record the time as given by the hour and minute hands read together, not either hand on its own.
6:18
